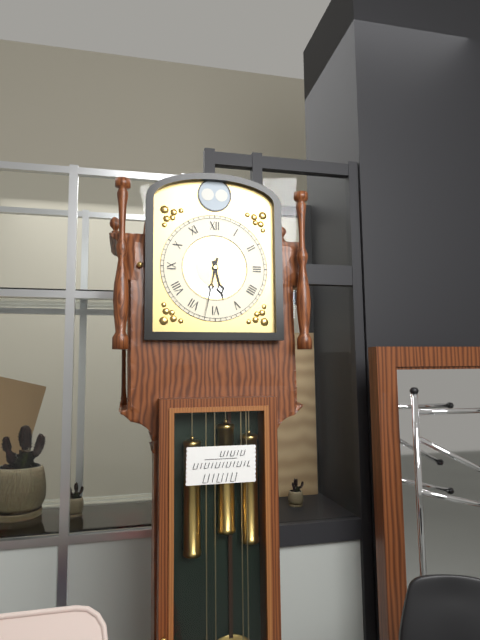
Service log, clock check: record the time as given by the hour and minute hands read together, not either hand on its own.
5:32
